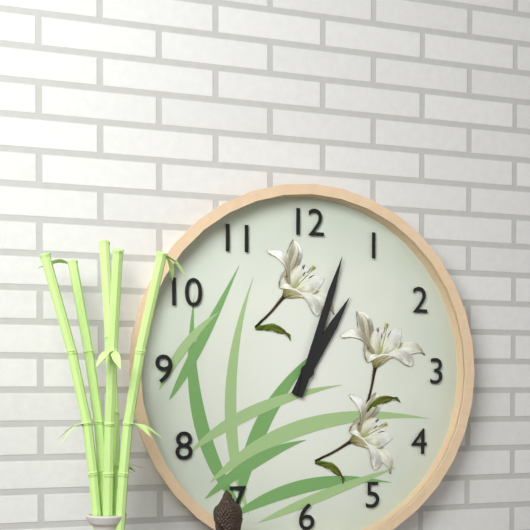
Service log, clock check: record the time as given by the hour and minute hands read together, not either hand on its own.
1:03
